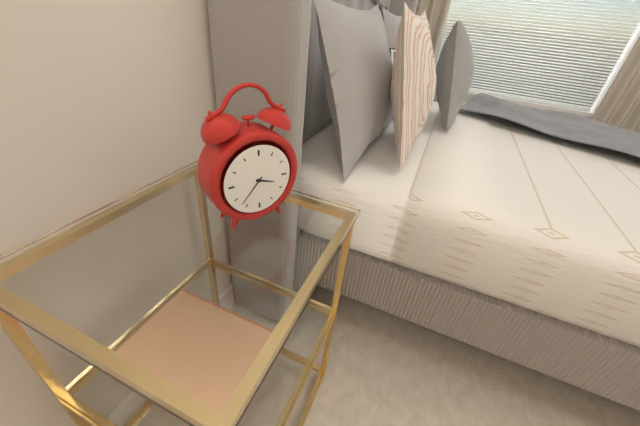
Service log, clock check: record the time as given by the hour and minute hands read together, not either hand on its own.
3:37
